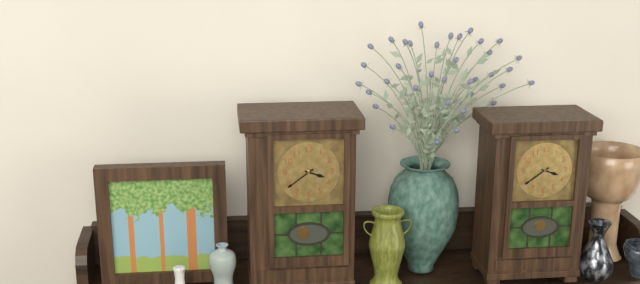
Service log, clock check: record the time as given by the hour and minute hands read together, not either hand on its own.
3:39
